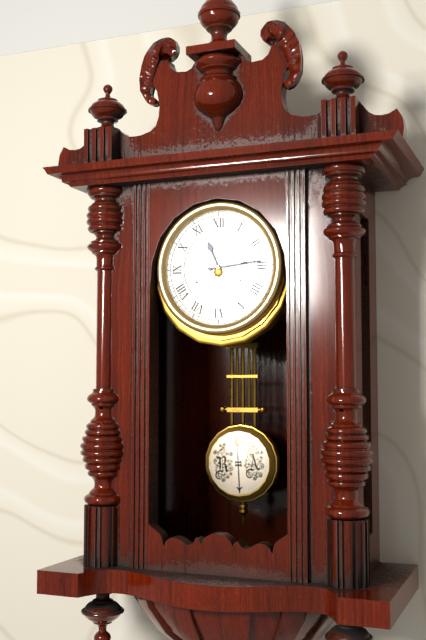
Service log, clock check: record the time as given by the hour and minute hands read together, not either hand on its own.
11:14
